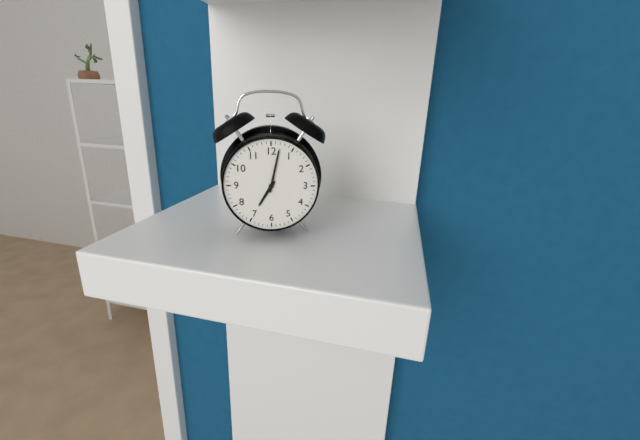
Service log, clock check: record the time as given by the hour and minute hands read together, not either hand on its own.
7:02
